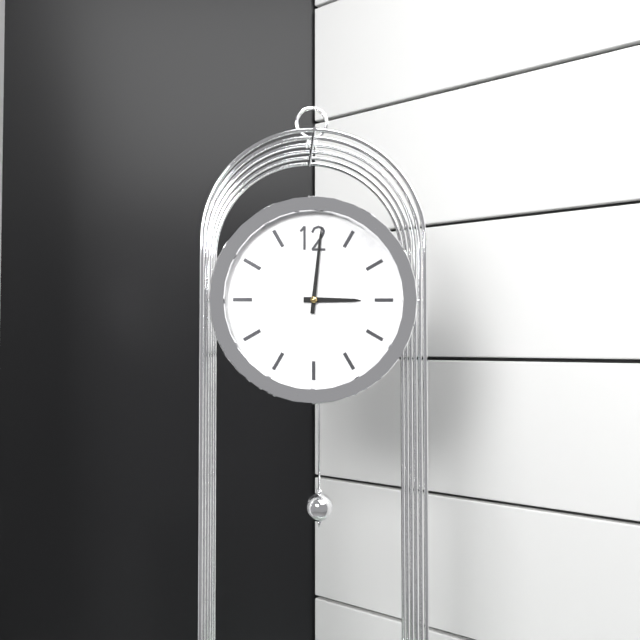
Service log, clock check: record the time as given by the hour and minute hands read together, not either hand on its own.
3:01
